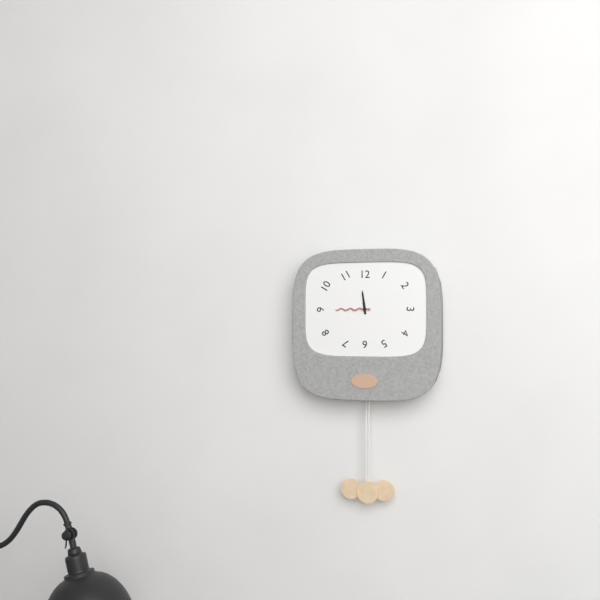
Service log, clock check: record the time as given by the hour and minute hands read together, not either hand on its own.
11:45
